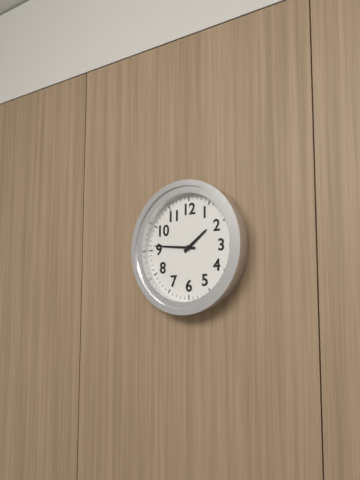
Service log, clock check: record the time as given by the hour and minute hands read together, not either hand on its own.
1:46
